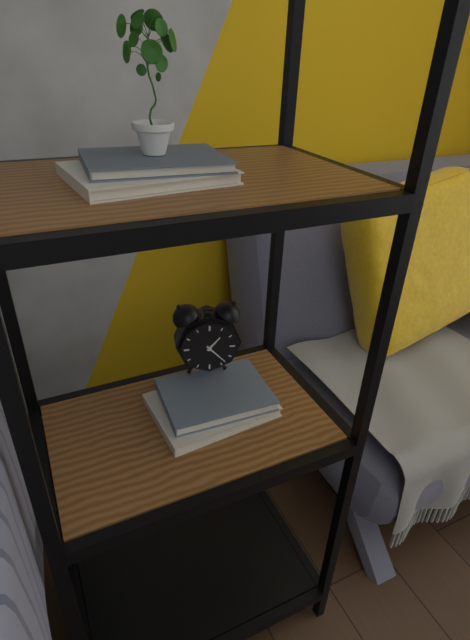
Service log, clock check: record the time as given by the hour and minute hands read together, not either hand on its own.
1:23
